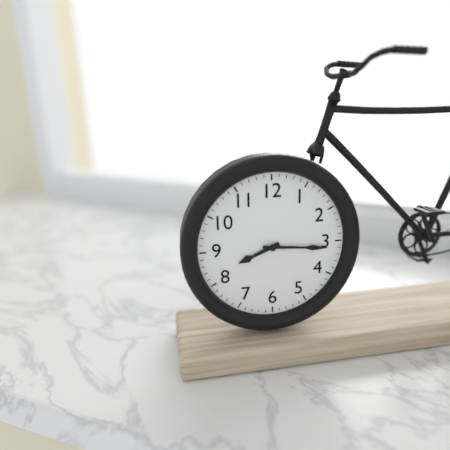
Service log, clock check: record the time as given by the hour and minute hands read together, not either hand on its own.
8:16
